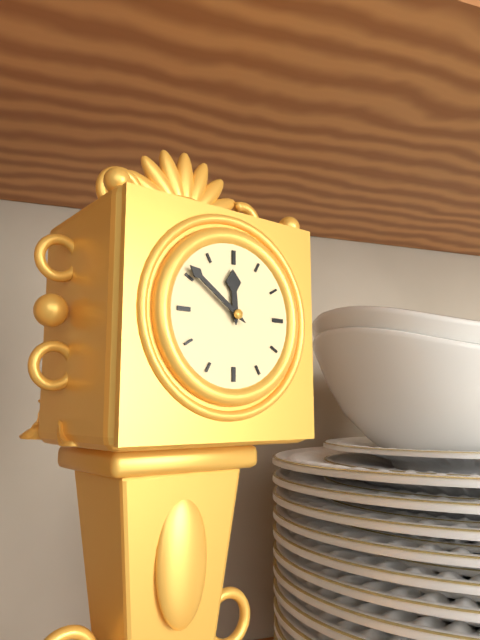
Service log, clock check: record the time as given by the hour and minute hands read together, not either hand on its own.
11:51
